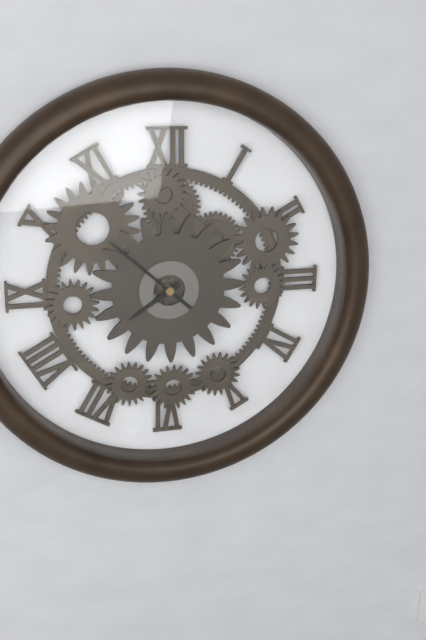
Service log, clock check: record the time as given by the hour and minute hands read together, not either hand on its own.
7:52
